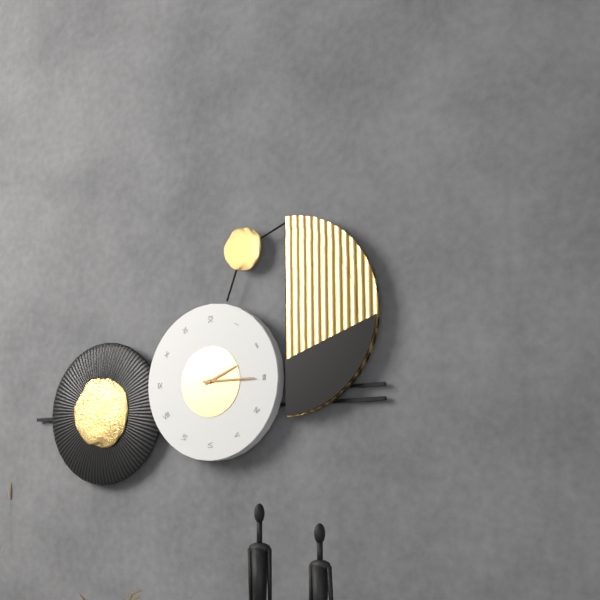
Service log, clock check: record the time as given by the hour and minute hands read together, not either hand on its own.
2:15
